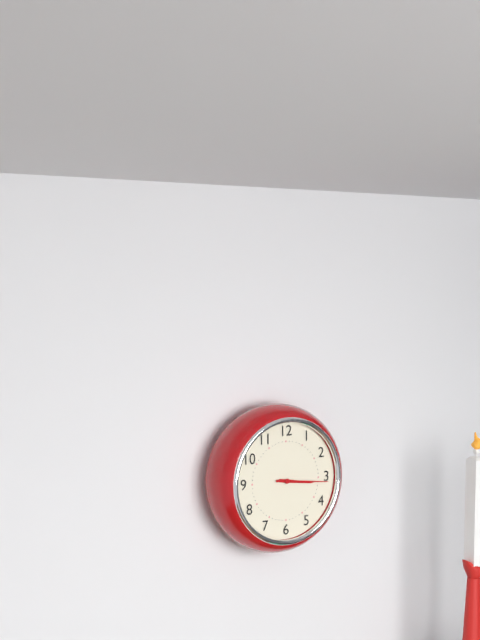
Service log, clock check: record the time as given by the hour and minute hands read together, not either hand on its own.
3:16
